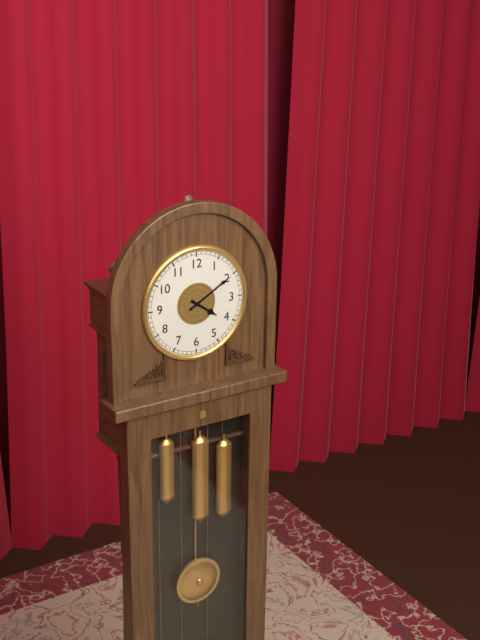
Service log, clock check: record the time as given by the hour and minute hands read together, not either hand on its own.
4:10
